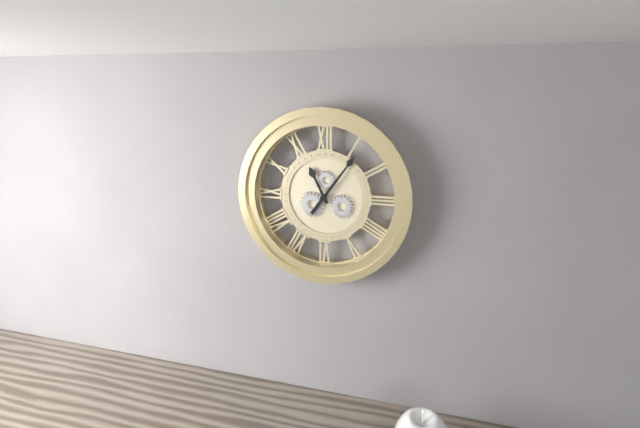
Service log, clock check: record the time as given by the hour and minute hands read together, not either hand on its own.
11:06
